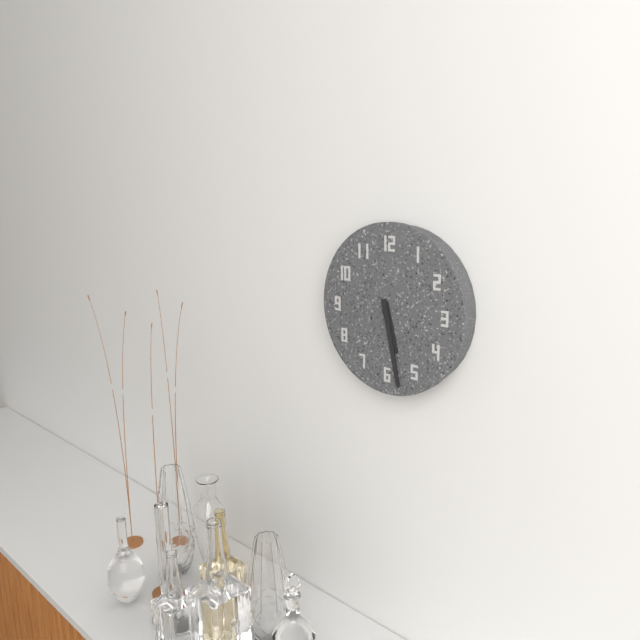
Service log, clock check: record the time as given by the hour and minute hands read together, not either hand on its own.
5:28
